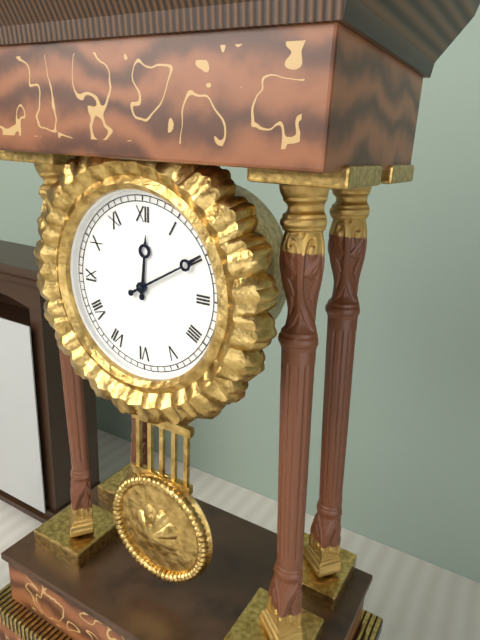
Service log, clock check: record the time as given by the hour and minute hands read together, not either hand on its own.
12:10
